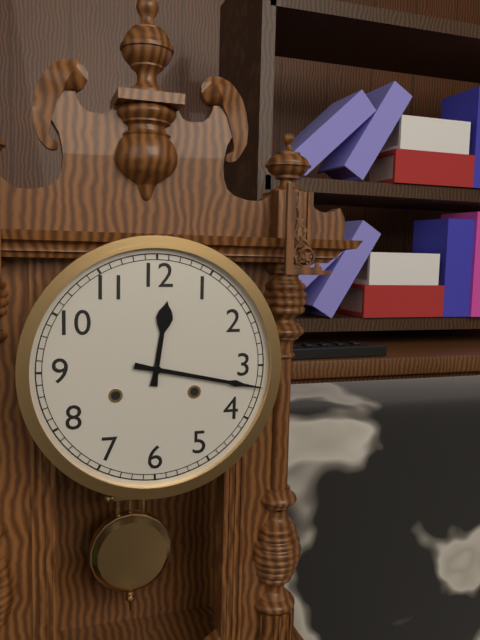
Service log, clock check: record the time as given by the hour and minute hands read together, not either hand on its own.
12:17
